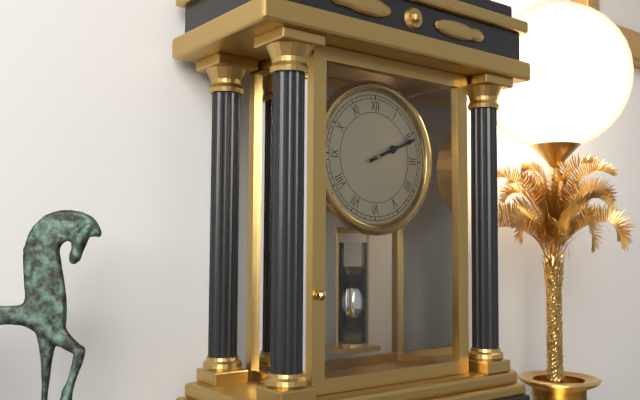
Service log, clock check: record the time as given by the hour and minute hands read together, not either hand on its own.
2:11
